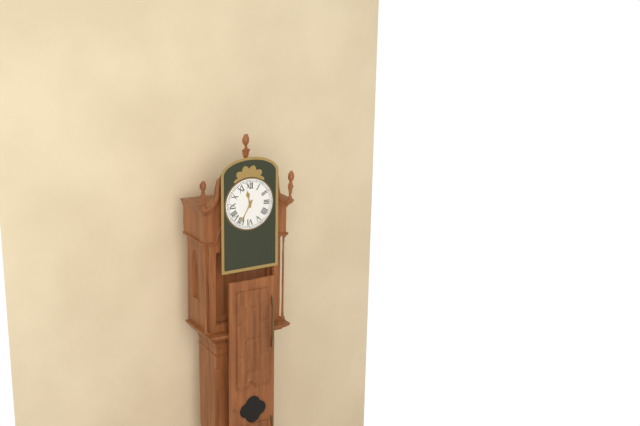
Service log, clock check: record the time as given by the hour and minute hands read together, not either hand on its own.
11:35
